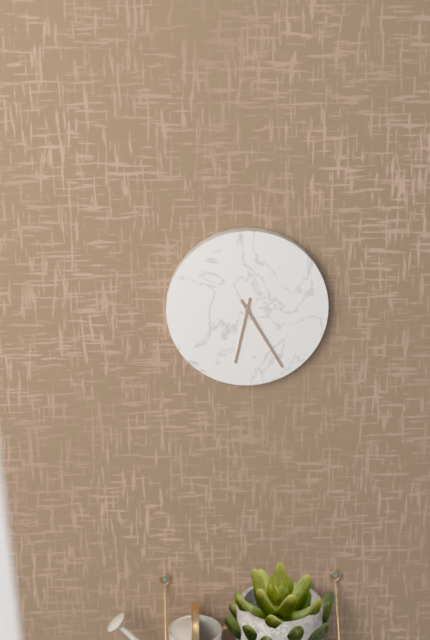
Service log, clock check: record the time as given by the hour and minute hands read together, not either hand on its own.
6:25
